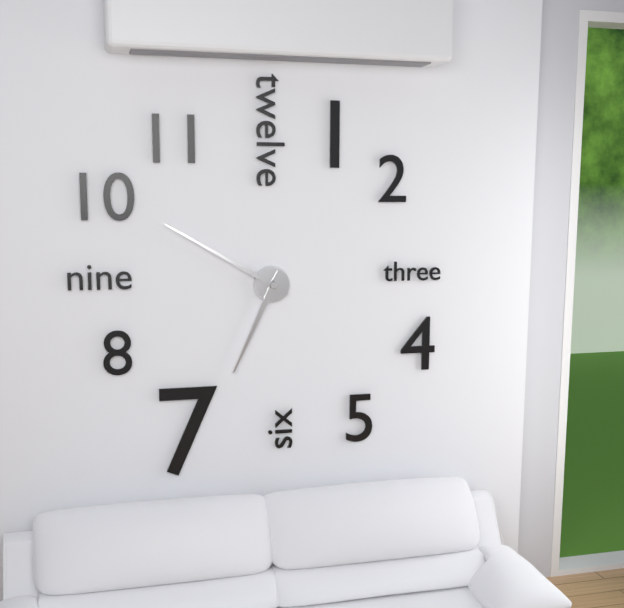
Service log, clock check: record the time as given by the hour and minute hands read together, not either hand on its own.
6:50
